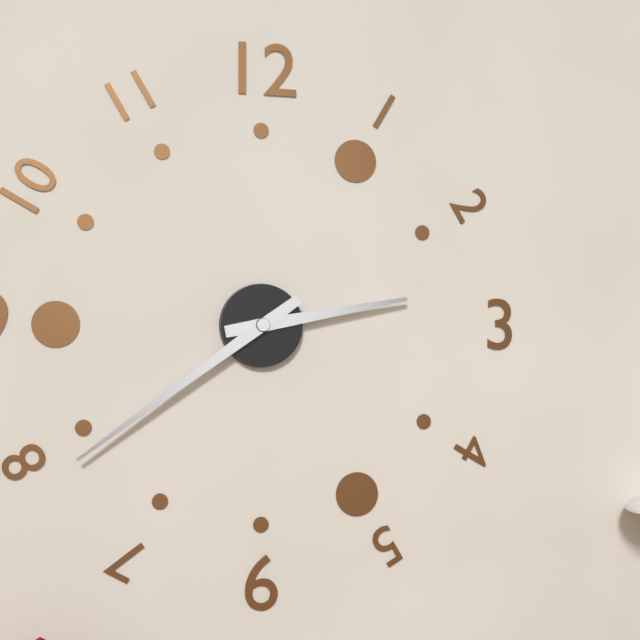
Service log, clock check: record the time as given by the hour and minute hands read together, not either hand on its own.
2:39
